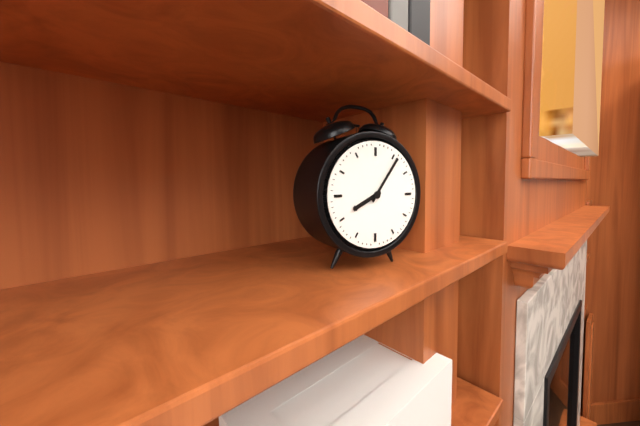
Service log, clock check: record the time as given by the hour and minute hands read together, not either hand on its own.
8:06
